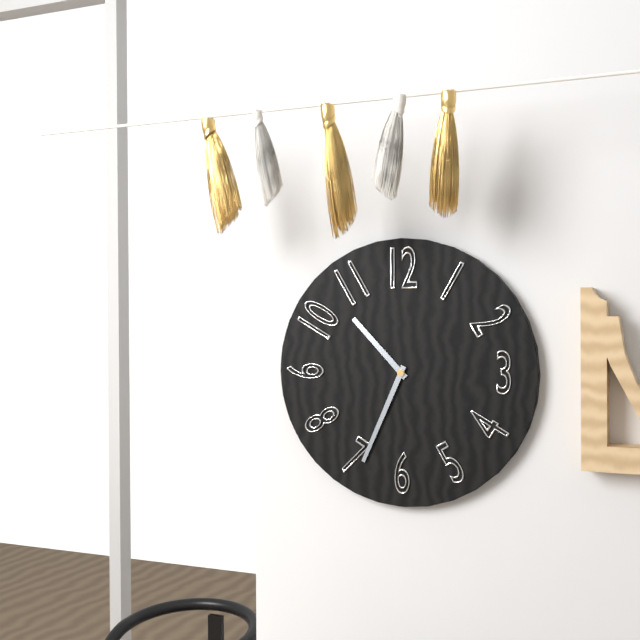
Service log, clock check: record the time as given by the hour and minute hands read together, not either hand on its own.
10:34
